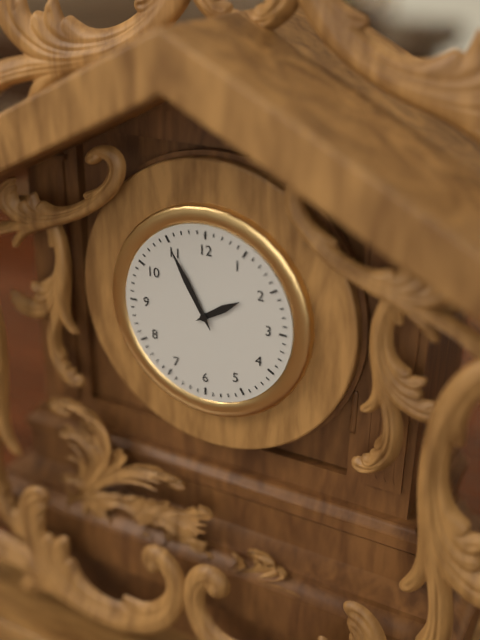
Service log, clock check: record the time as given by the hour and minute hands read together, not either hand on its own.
1:55
